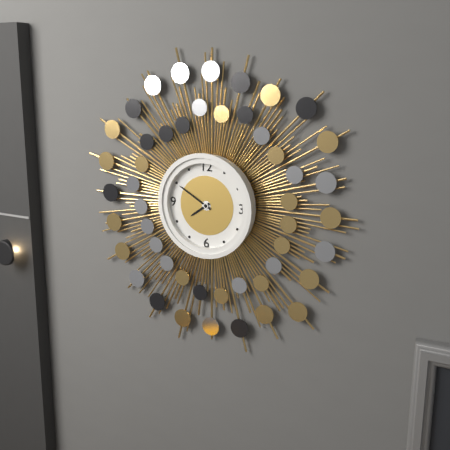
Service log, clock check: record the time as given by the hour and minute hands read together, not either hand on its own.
7:50
